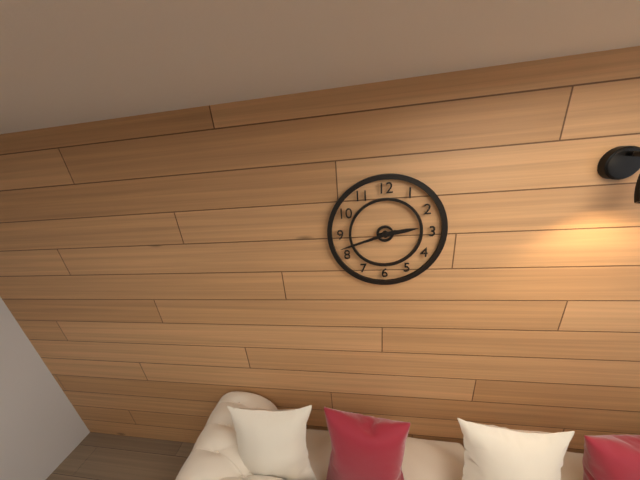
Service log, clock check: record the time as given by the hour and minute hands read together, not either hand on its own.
2:42
